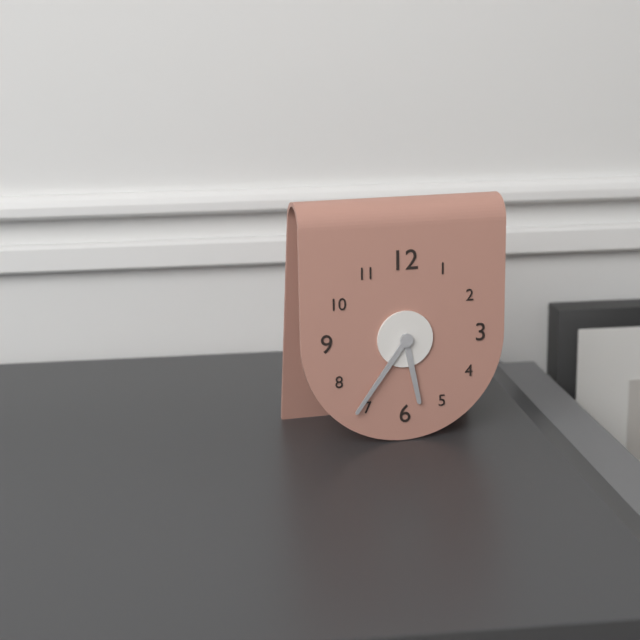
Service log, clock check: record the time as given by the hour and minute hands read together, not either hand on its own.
5:36
